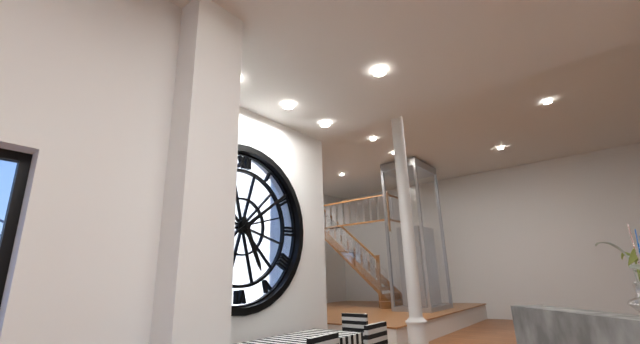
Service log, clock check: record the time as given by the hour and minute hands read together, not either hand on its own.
5:09
